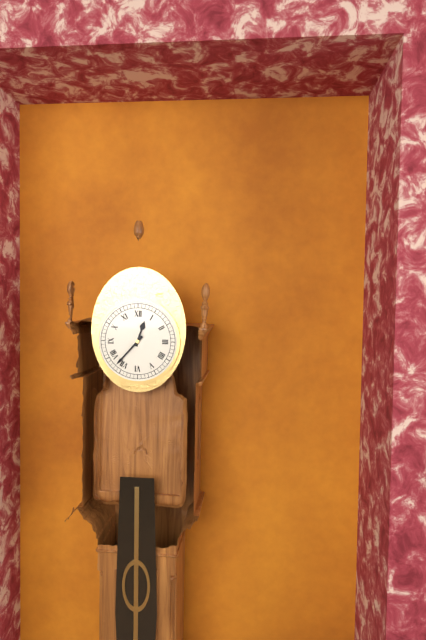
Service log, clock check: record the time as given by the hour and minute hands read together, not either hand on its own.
12:37
